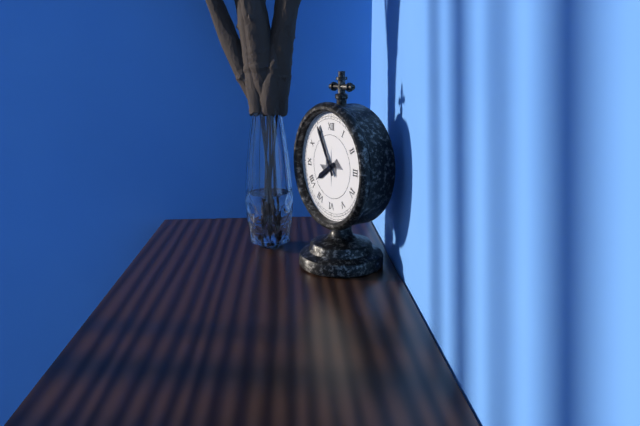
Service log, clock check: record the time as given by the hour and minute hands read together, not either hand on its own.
7:55
